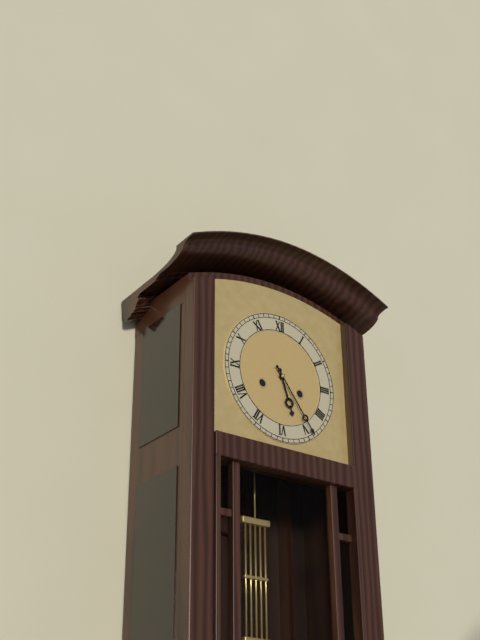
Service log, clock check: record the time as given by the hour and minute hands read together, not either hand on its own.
5:24
